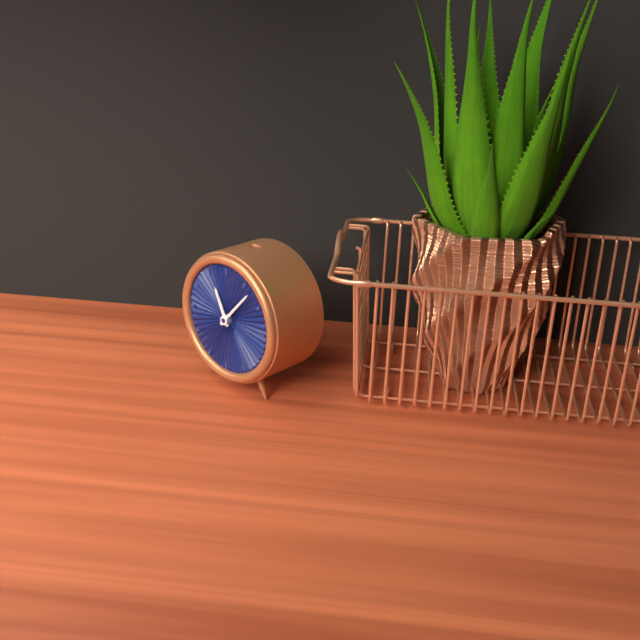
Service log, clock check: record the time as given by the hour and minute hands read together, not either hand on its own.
11:07
